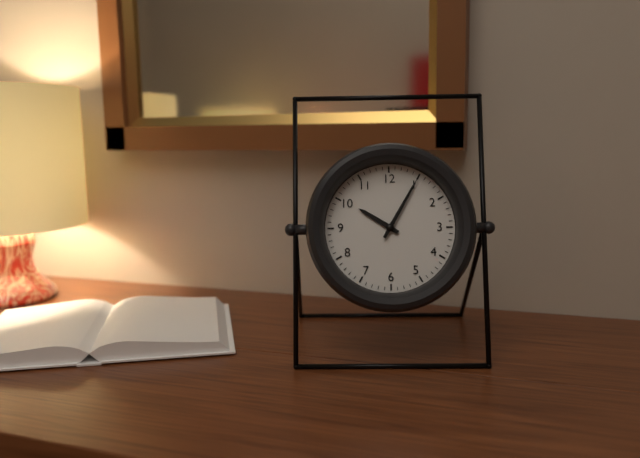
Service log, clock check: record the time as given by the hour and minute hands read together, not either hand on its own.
10:05
